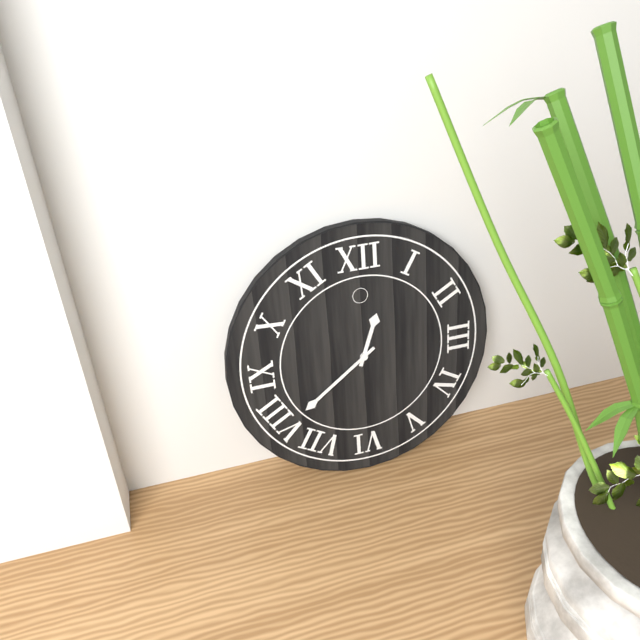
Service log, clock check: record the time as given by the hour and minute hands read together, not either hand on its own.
12:39
